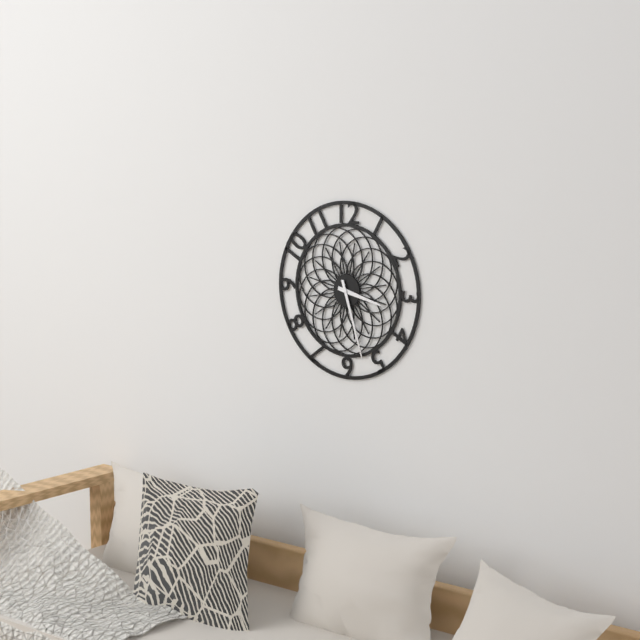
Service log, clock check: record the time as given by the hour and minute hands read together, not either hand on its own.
3:27
